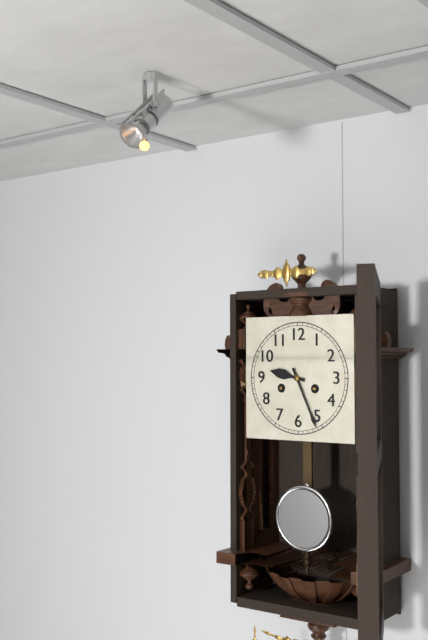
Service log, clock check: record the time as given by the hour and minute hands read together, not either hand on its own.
9:26
